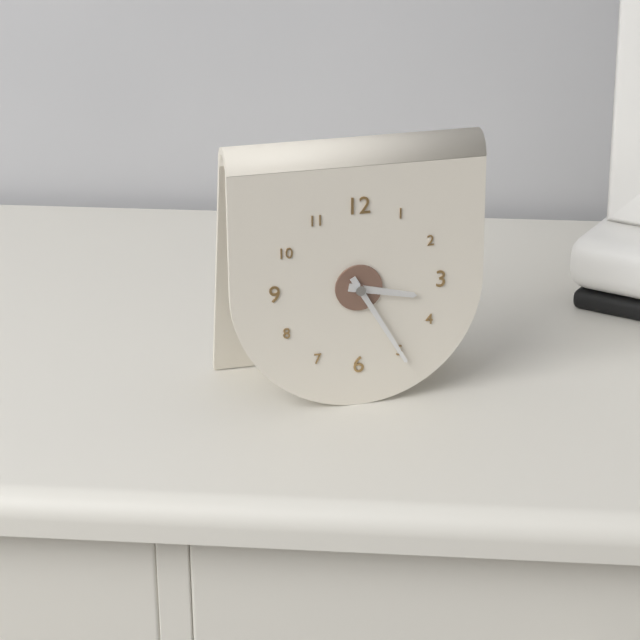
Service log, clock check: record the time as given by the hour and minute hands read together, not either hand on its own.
3:25
